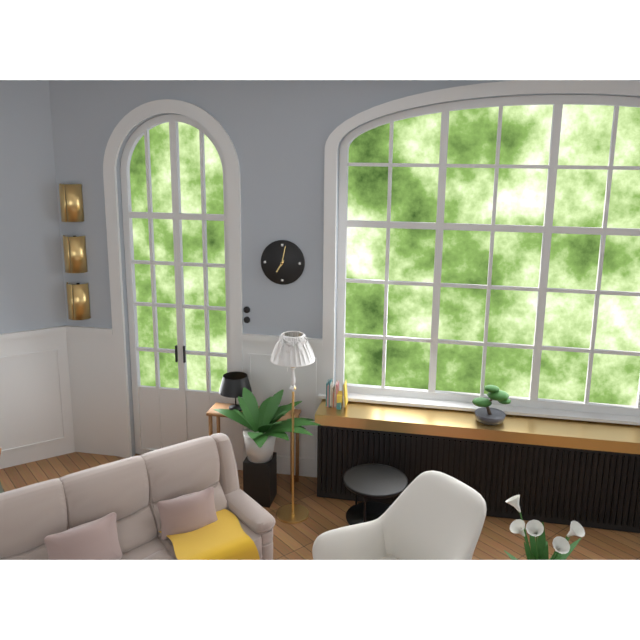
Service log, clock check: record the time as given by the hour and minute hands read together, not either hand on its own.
7:02
